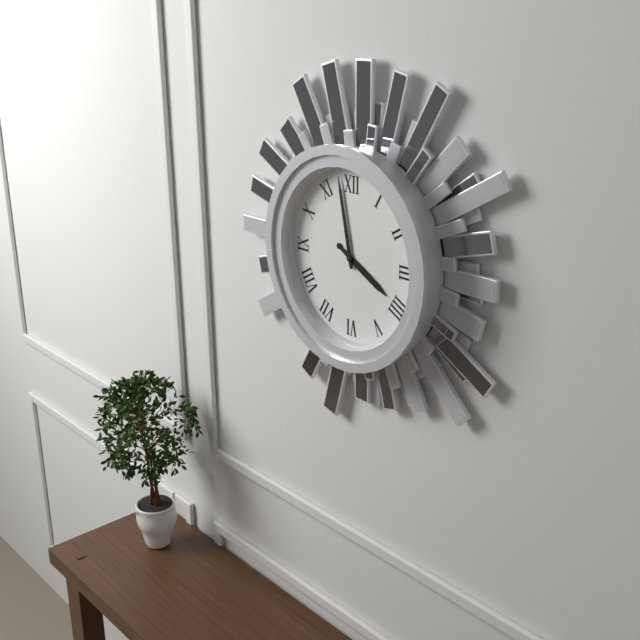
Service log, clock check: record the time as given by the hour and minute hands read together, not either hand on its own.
3:58
